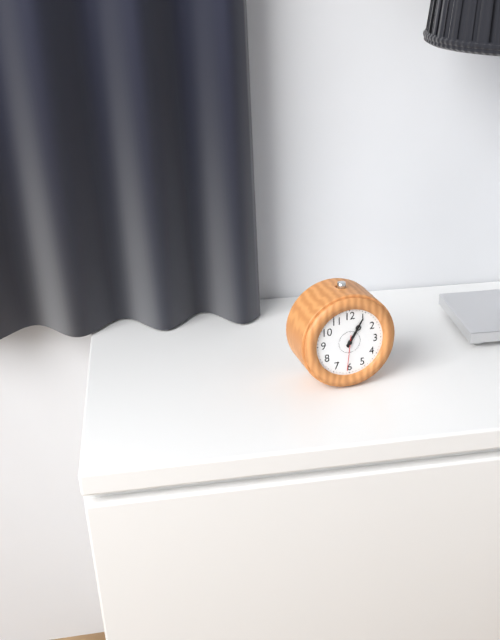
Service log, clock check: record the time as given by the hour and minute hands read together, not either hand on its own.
1:05
